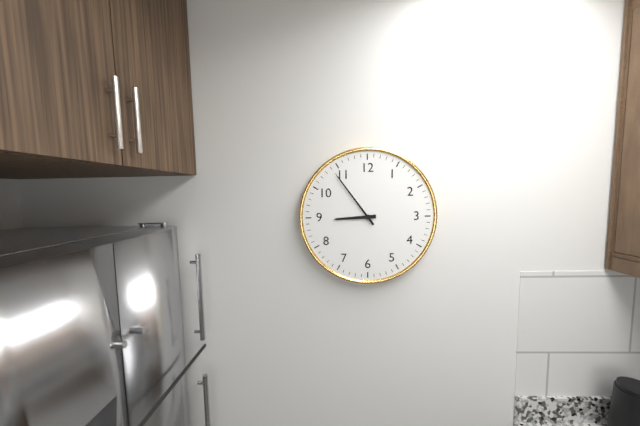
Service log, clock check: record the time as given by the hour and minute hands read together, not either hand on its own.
8:54
